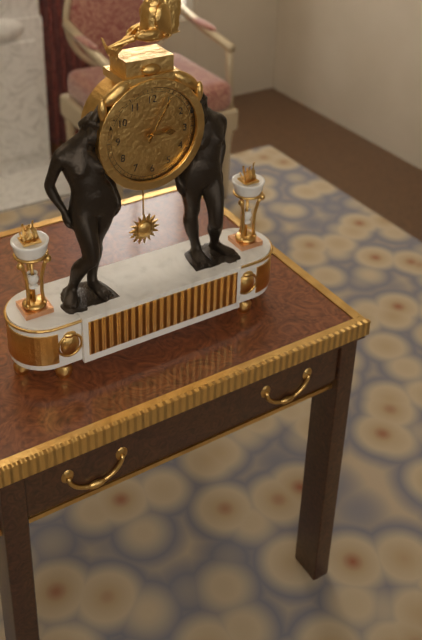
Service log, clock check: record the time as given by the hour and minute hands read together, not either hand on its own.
3:05
